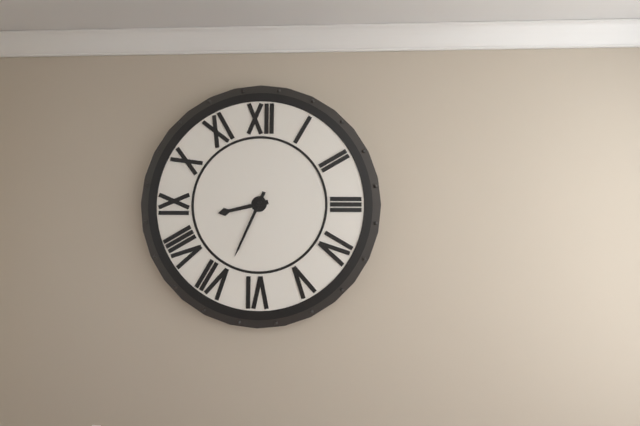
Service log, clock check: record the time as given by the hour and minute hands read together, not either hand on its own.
8:34
